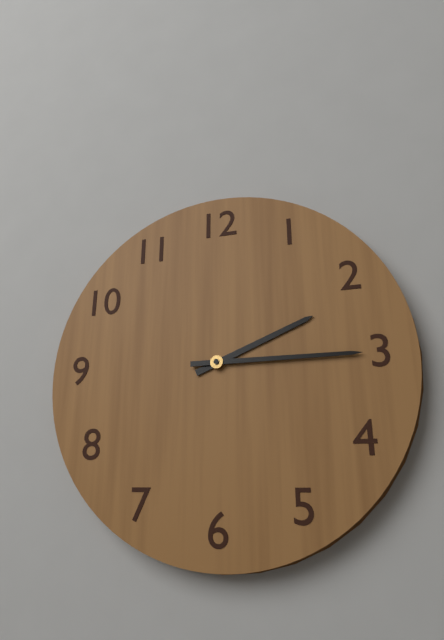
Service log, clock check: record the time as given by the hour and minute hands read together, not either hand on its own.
2:15
